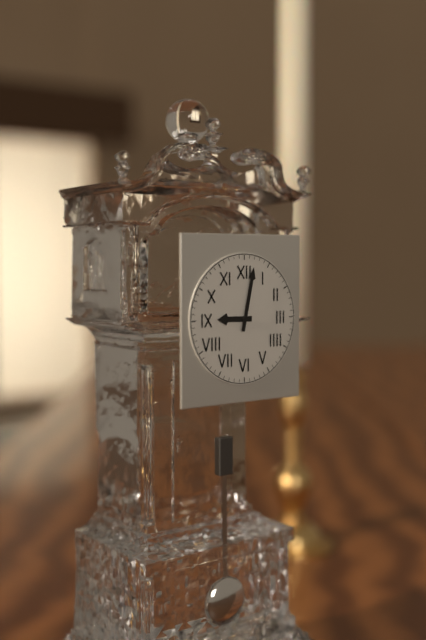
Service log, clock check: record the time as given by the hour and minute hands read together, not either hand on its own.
9:02
